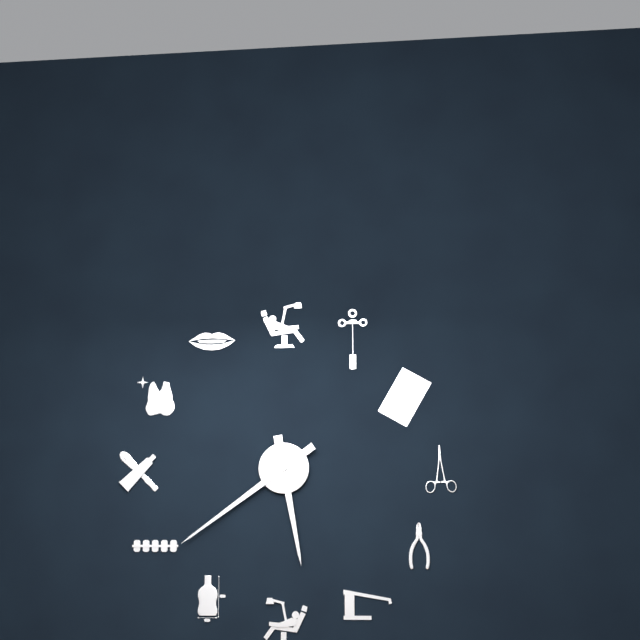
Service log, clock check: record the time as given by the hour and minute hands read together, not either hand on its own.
5:39
